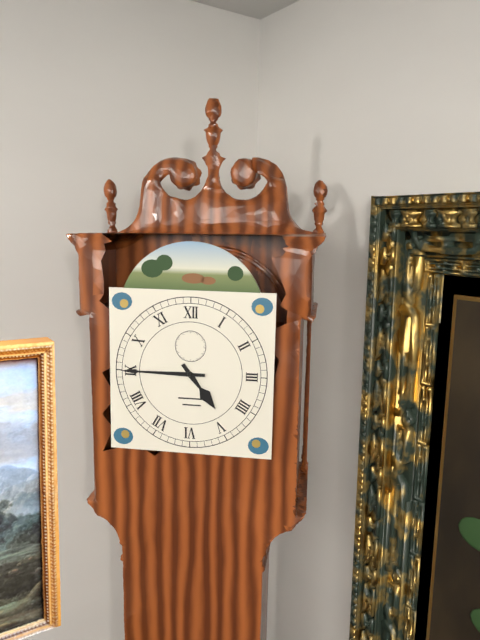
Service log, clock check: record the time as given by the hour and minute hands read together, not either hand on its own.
4:45
